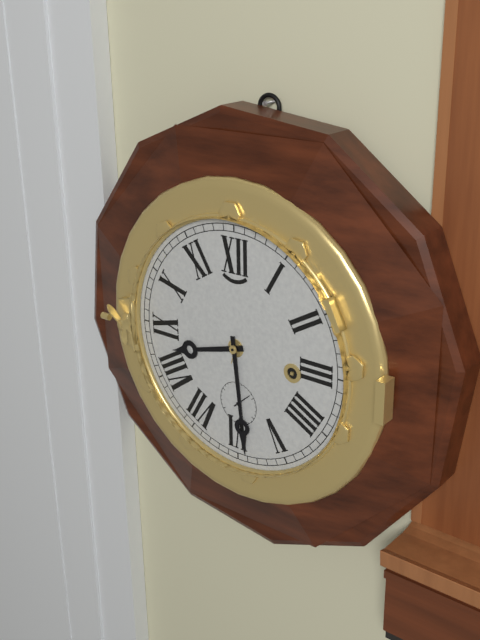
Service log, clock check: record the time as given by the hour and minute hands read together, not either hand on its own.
8:29
